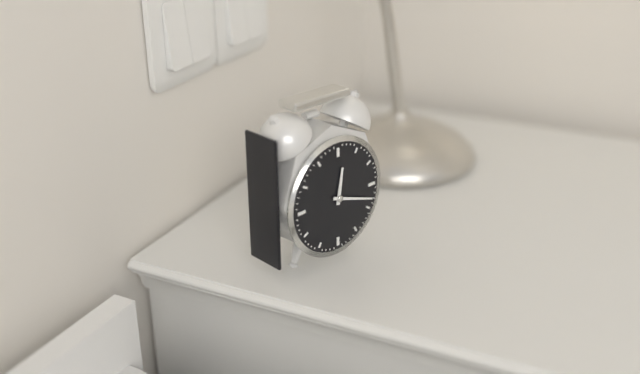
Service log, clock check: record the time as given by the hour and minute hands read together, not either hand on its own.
12:18
